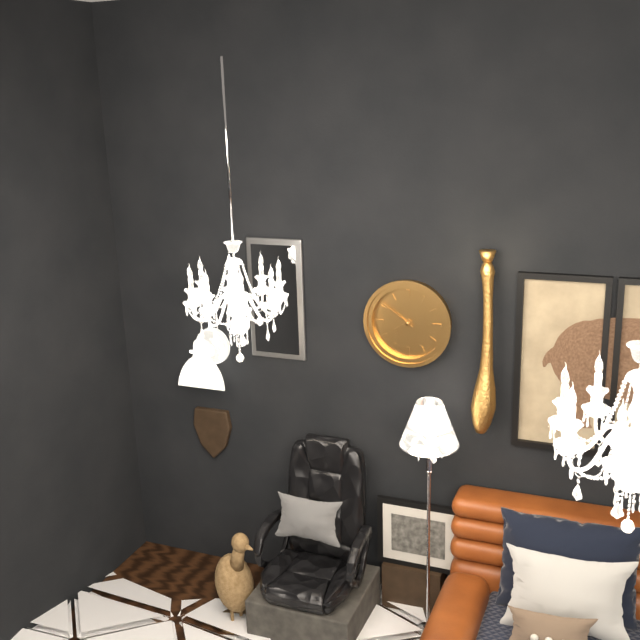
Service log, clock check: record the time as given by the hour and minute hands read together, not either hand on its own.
7:51
